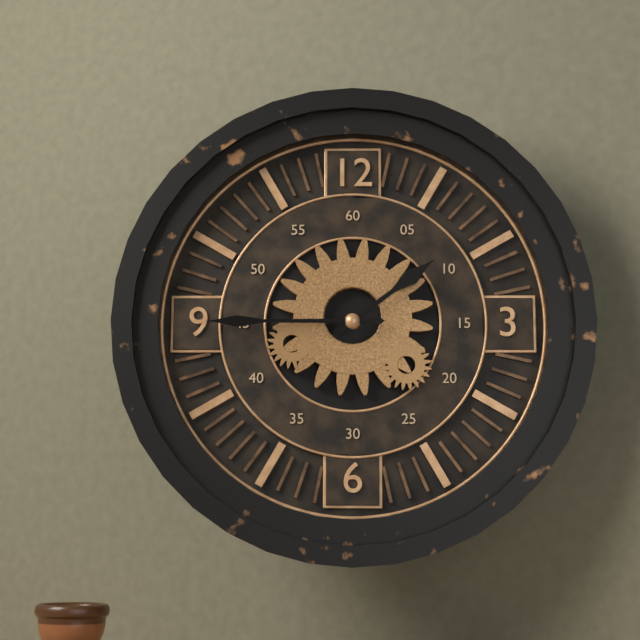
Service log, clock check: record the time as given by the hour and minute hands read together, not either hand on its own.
1:45
